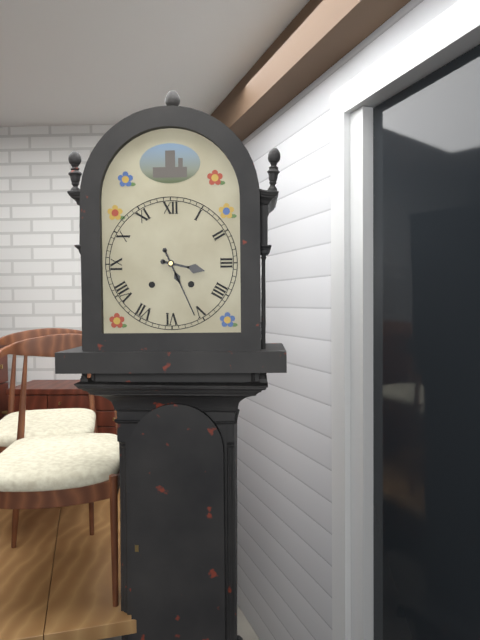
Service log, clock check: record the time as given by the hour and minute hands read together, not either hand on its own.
3:26
